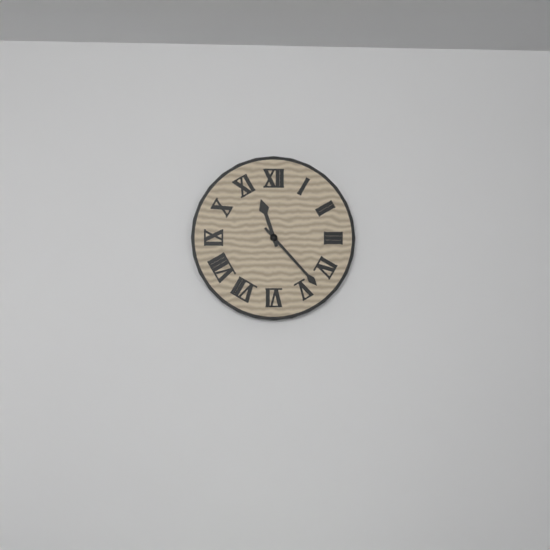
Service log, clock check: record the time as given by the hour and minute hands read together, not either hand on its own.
11:23
